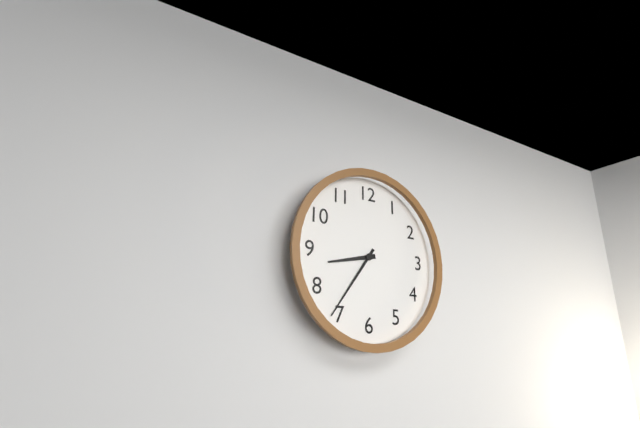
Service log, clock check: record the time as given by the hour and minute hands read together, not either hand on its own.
8:36
